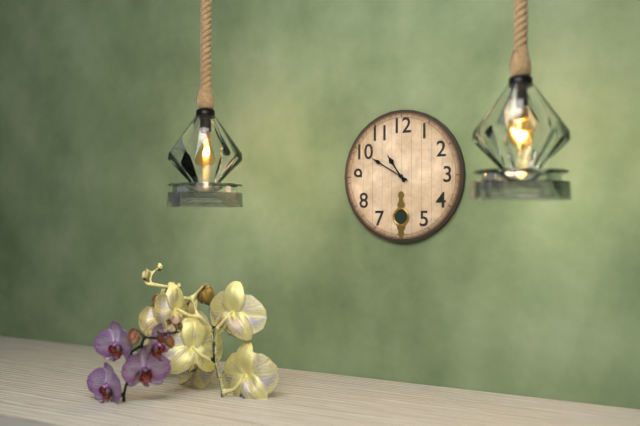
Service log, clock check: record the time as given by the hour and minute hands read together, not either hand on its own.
10:50
